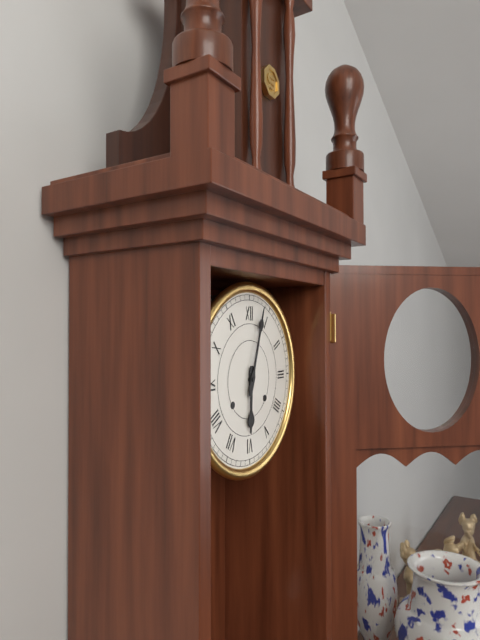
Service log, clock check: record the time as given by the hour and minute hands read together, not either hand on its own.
6:03
